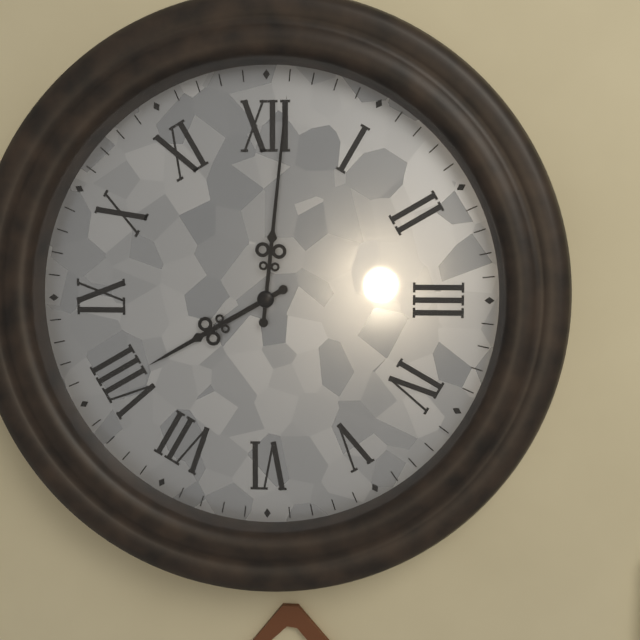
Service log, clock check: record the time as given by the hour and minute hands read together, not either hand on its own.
8:01
